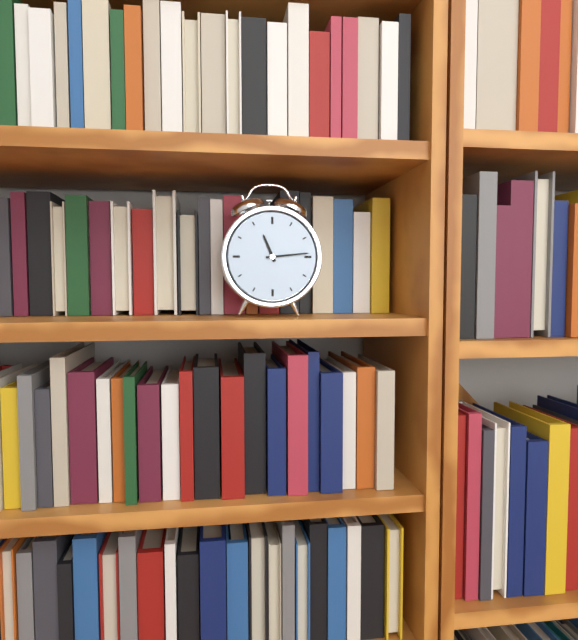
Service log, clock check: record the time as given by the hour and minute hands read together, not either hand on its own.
11:14
